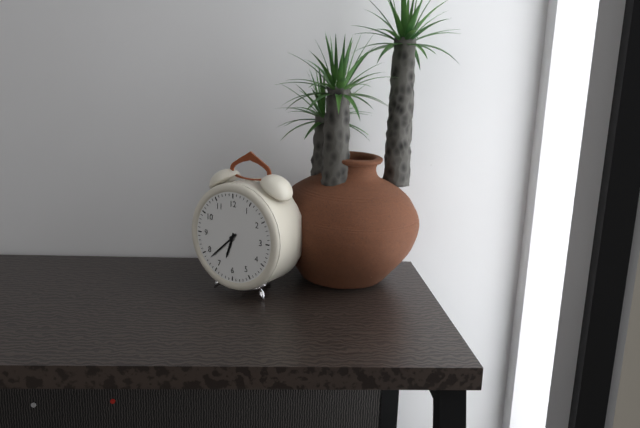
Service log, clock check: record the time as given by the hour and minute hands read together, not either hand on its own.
6:38
